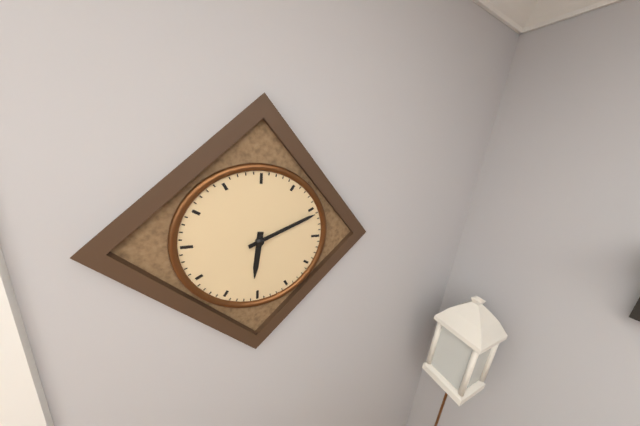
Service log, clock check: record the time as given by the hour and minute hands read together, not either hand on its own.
6:11
